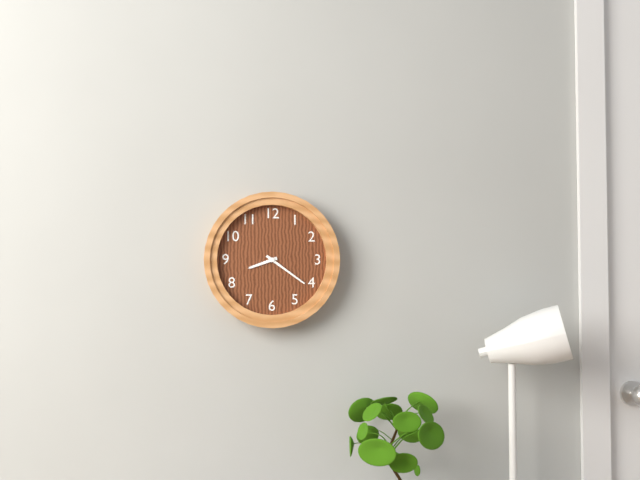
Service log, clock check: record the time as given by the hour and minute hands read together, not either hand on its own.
8:21
